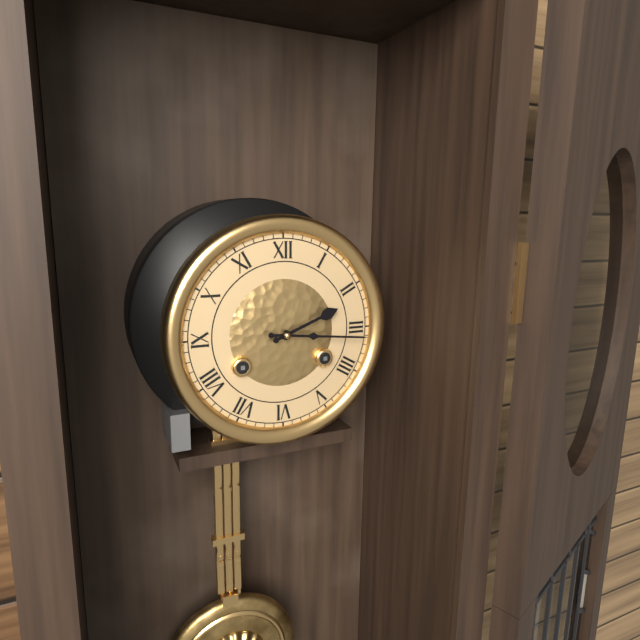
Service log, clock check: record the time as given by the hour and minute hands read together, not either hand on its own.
2:16
